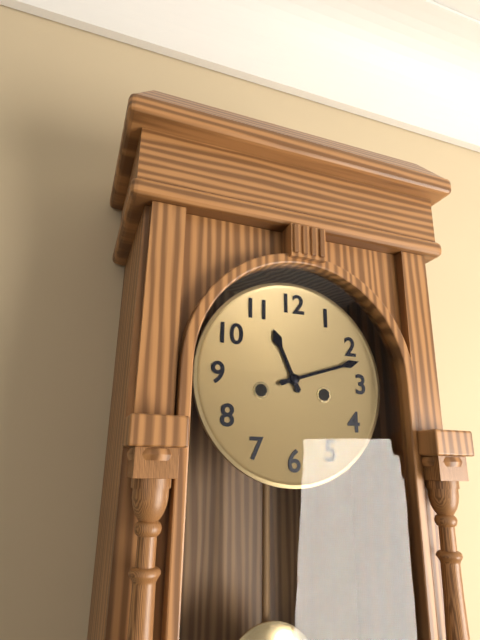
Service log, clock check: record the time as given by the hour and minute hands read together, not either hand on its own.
11:12
